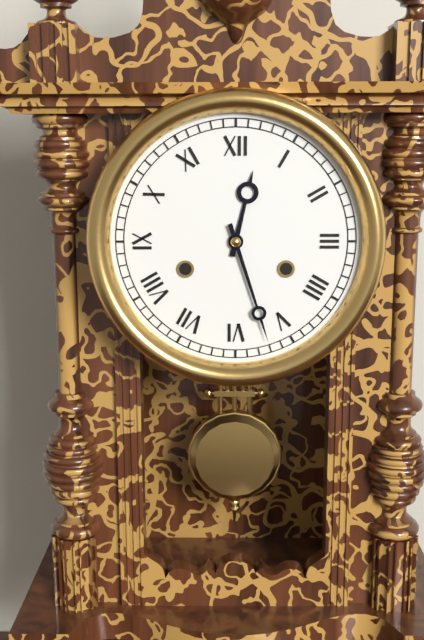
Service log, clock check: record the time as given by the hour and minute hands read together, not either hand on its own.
12:27
